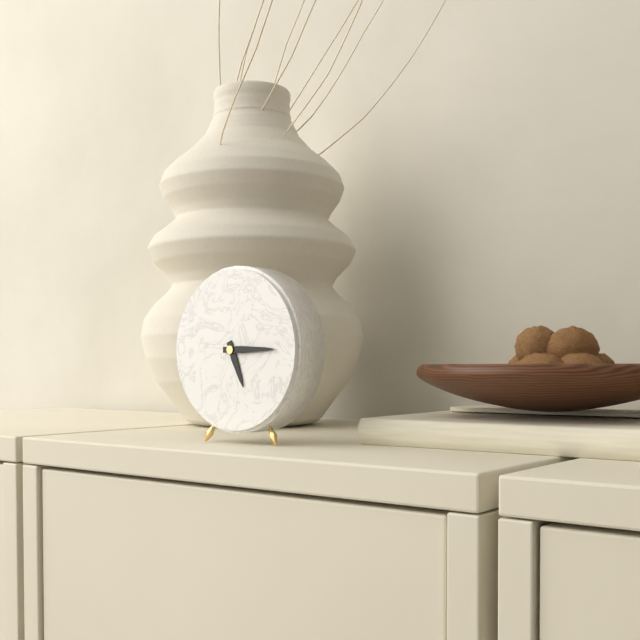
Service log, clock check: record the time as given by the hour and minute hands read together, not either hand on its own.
5:15
